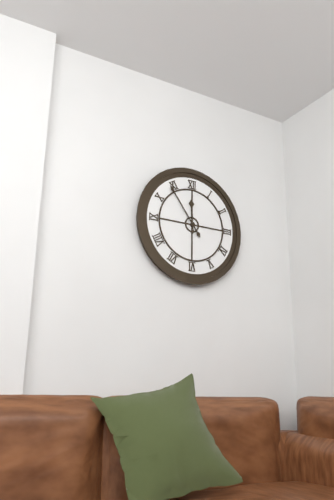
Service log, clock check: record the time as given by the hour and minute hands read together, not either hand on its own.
11:54
